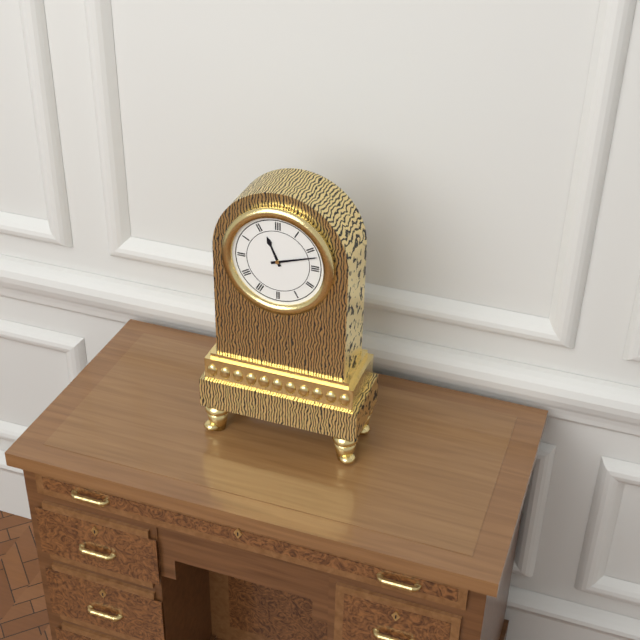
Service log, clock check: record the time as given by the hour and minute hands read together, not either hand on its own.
11:12
